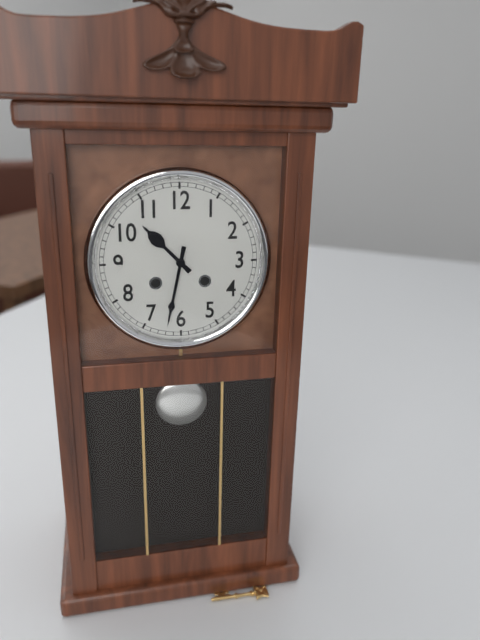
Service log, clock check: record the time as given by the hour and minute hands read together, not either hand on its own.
10:32
